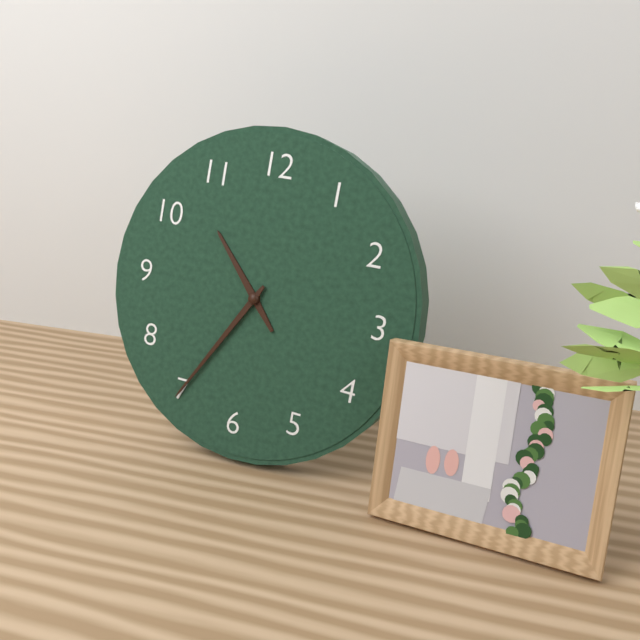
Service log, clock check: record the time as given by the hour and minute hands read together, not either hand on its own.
10:35
